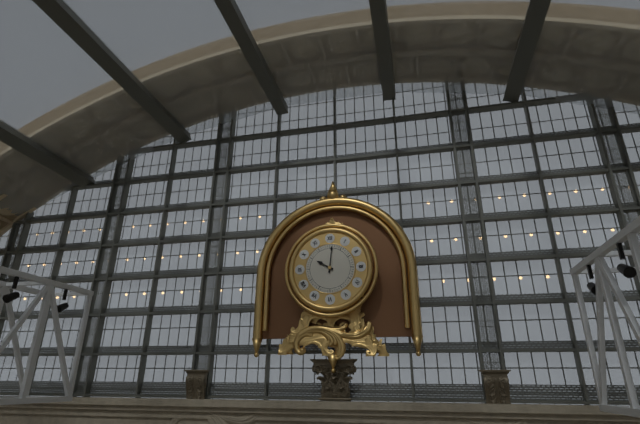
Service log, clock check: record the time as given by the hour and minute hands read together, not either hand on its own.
10:01
